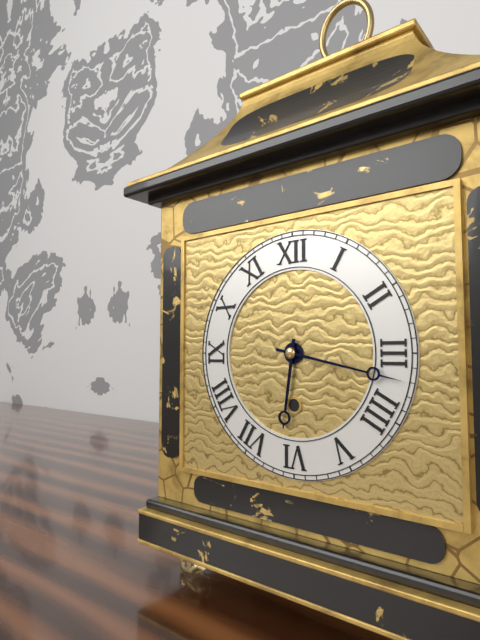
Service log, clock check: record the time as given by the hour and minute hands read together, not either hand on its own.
6:17
